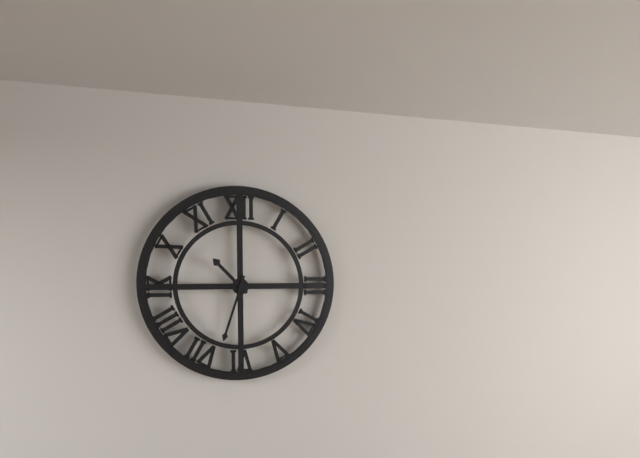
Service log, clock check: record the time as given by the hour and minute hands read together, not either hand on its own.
10:33
